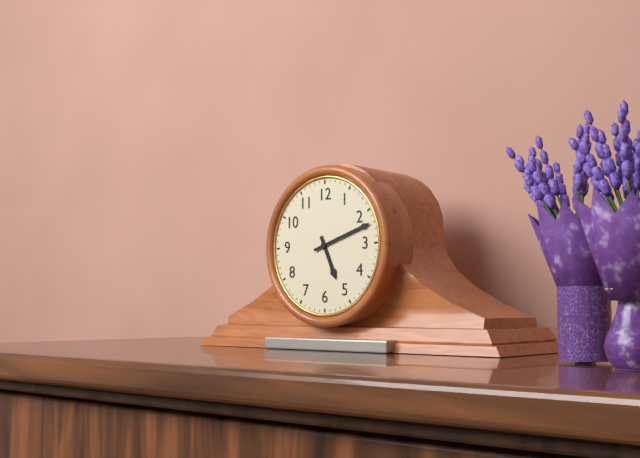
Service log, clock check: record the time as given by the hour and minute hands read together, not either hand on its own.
5:12
